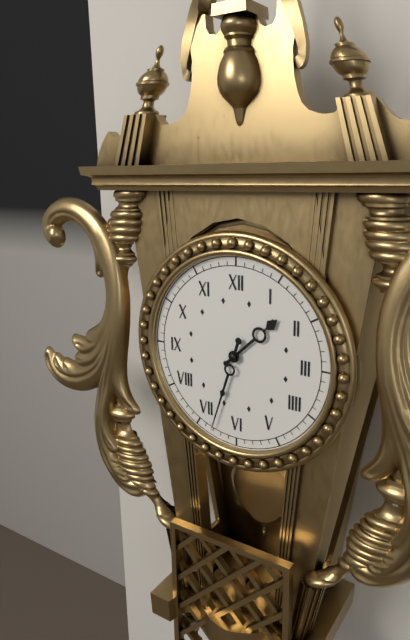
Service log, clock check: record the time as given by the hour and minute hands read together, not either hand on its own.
1:33
